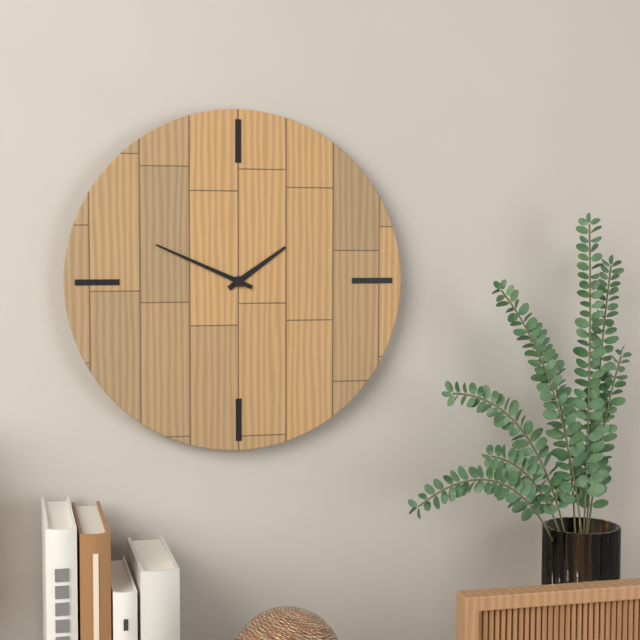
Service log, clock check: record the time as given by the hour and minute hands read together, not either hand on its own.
1:49
